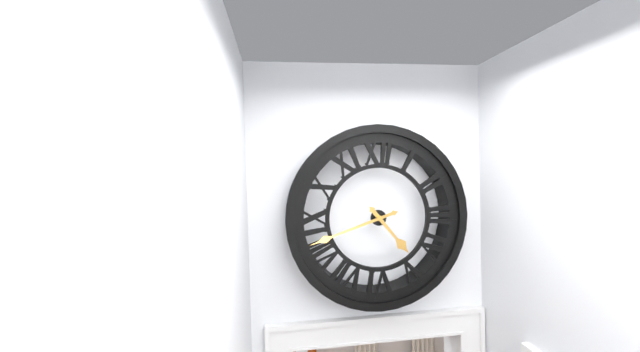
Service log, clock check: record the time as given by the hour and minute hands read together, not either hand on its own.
4:42
